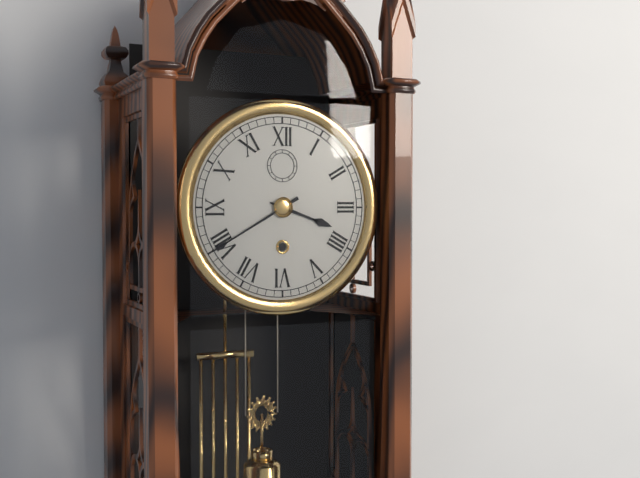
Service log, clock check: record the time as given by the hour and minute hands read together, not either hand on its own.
3:40
